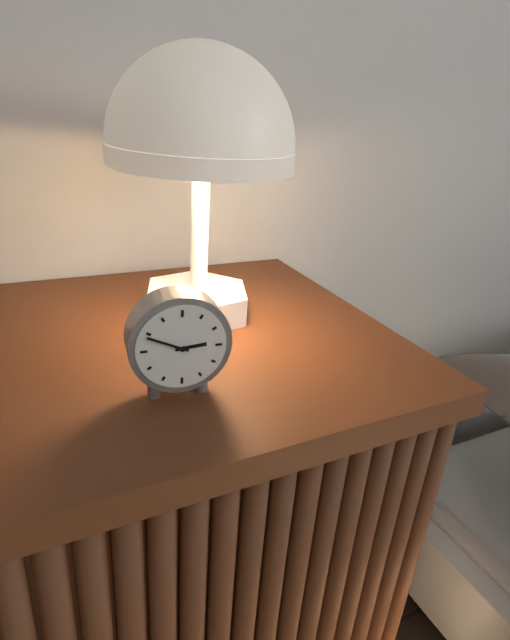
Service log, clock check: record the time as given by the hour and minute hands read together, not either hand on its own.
2:49
